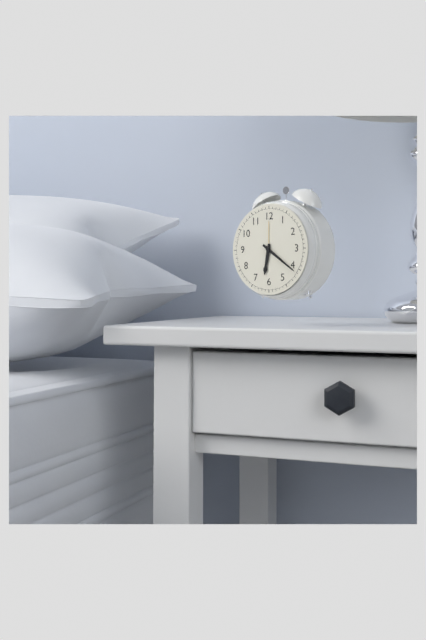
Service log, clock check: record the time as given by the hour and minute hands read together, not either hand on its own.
6:21
